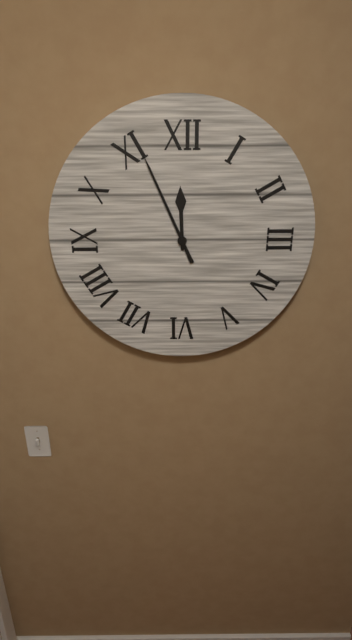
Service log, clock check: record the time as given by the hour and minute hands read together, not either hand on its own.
11:56
